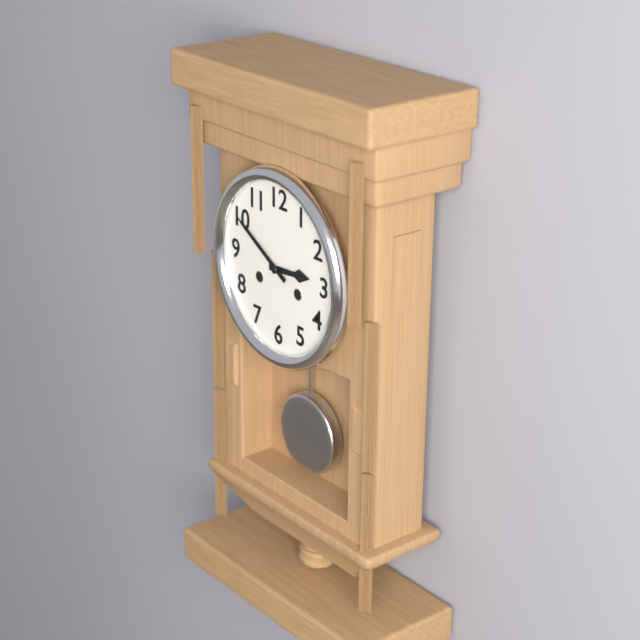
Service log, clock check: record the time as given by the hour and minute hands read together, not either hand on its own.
2:50
